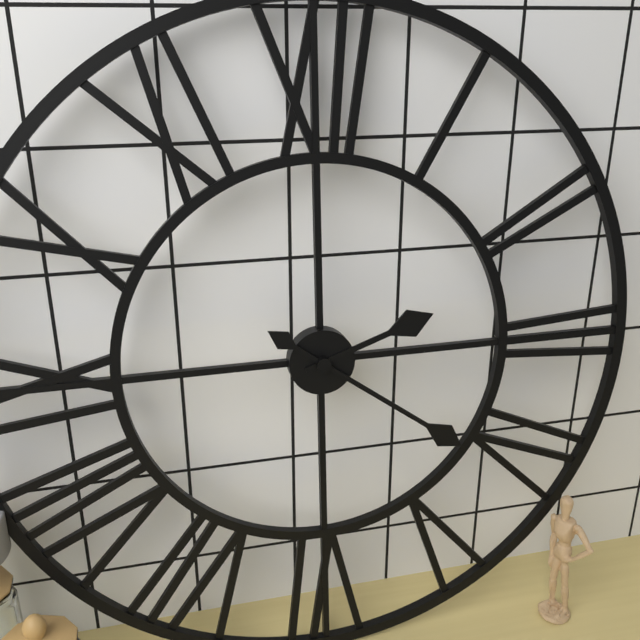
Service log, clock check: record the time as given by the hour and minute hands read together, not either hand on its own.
2:21
